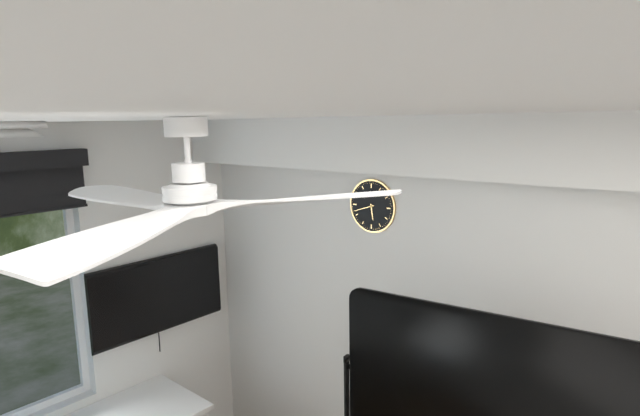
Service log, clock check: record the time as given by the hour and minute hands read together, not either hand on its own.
5:42
